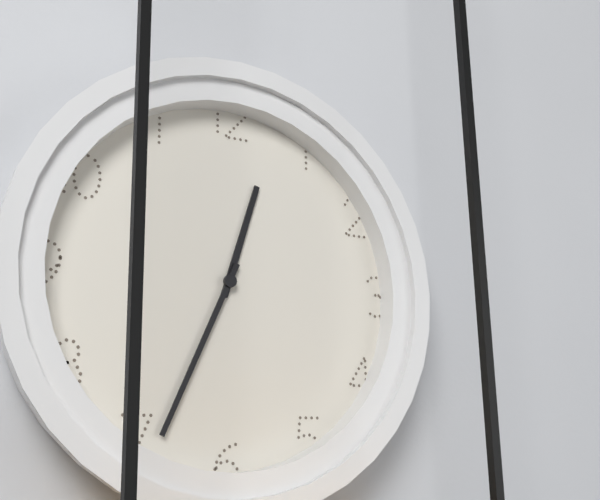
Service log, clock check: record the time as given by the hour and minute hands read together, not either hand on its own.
12:34
